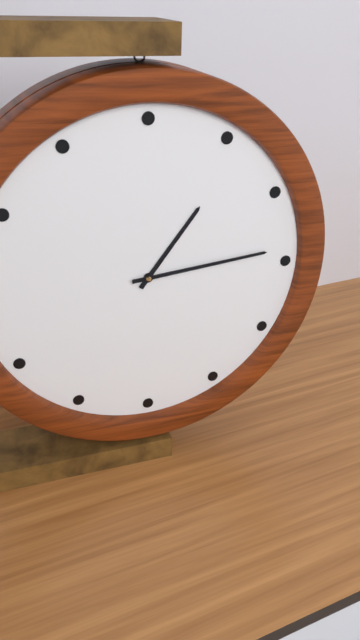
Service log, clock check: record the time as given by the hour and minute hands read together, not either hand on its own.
1:14
